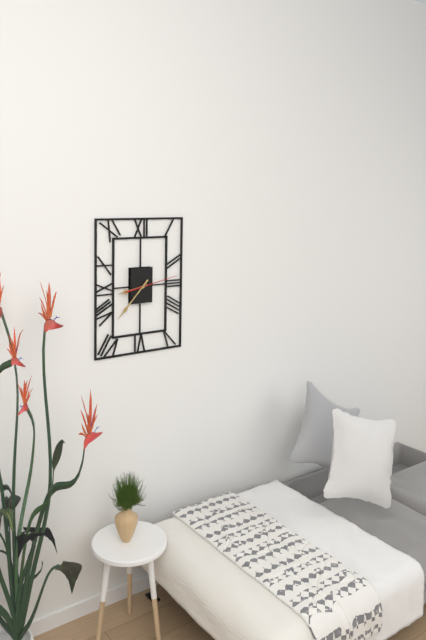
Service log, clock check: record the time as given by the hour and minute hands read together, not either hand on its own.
8:37
